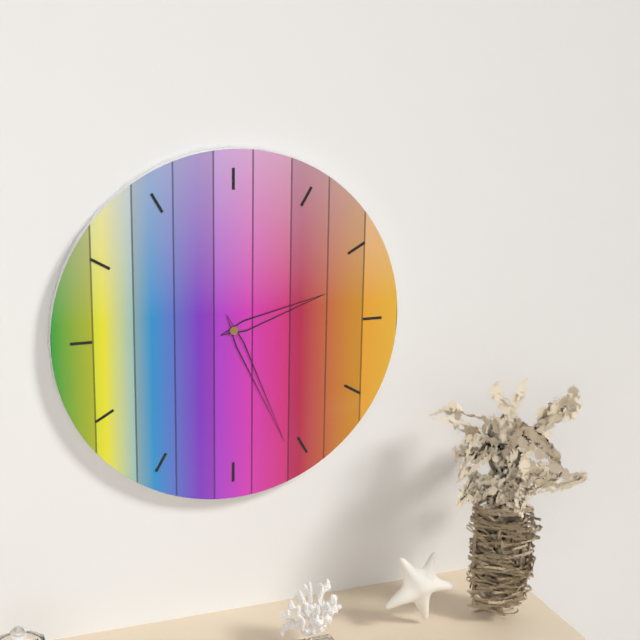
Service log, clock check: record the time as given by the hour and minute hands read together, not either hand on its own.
2:26
